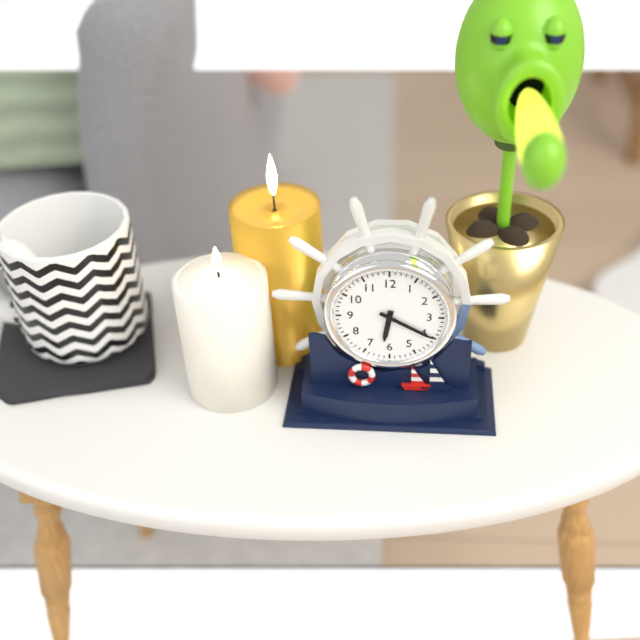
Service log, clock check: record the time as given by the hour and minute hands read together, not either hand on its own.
6:20
